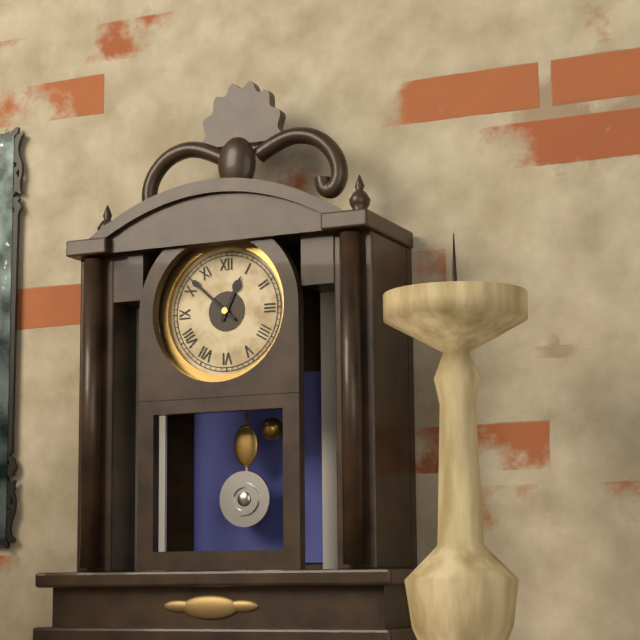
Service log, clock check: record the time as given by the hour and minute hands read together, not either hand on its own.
12:52
